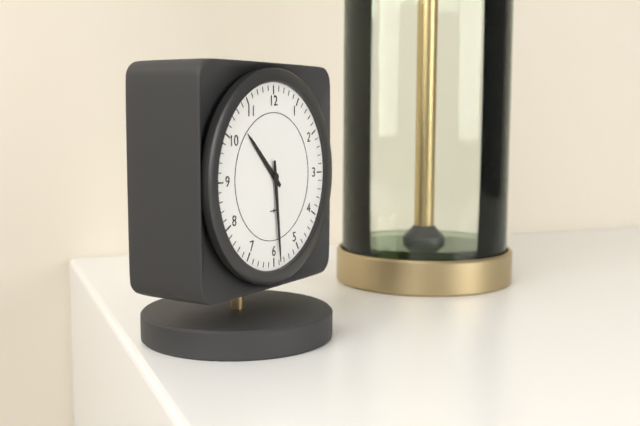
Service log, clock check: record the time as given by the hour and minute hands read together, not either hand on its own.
10:29
